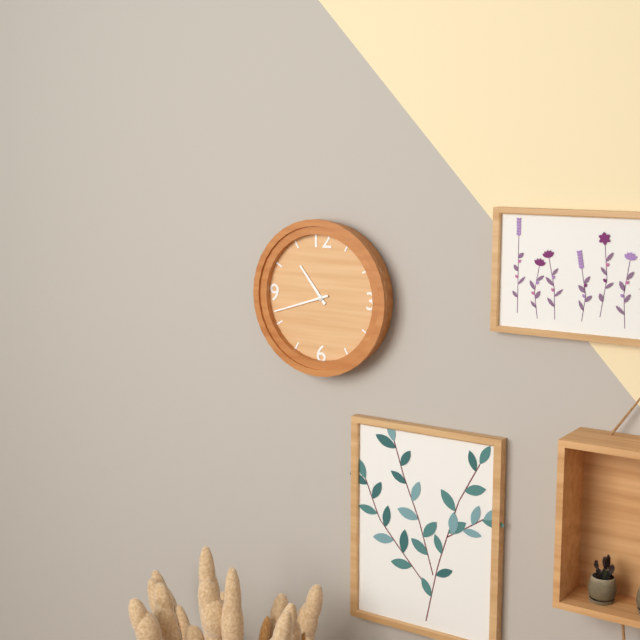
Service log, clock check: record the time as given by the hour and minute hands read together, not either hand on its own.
10:42
